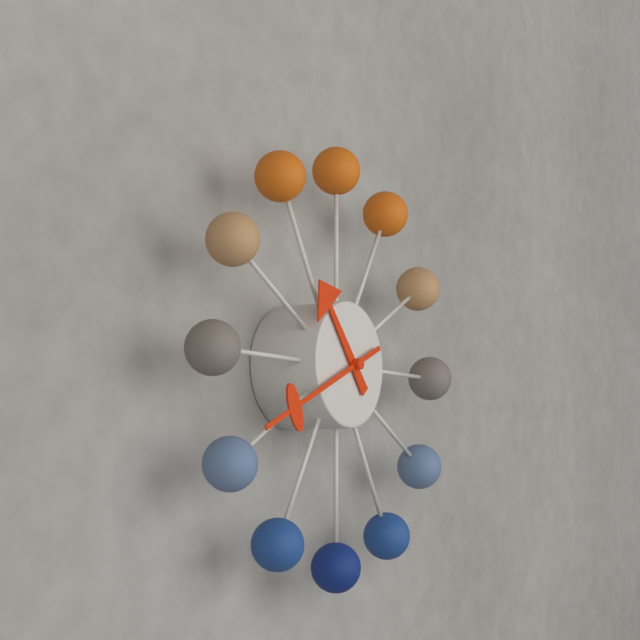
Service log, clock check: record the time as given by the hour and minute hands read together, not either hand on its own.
10:41
